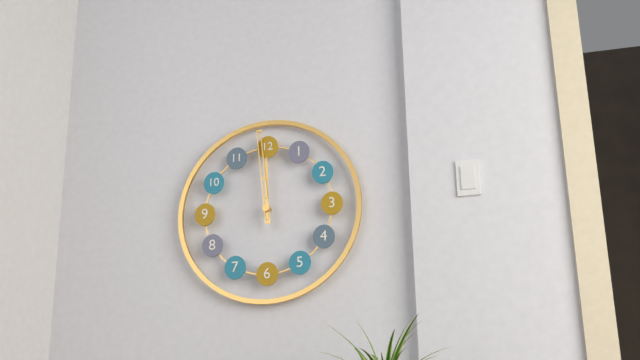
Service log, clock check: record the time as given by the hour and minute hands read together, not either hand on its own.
11:59
